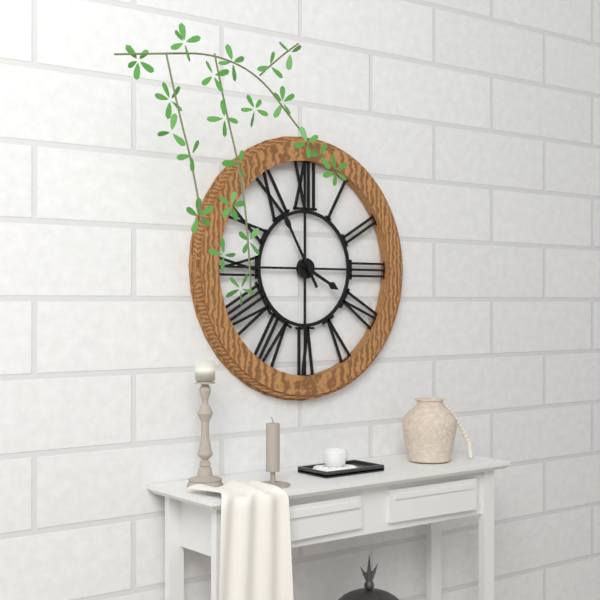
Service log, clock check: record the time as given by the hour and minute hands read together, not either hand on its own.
3:55
